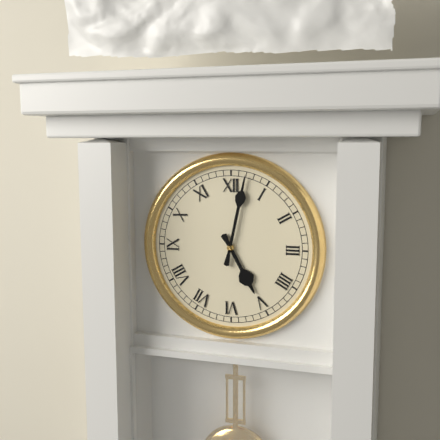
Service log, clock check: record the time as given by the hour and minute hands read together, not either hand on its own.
5:02
